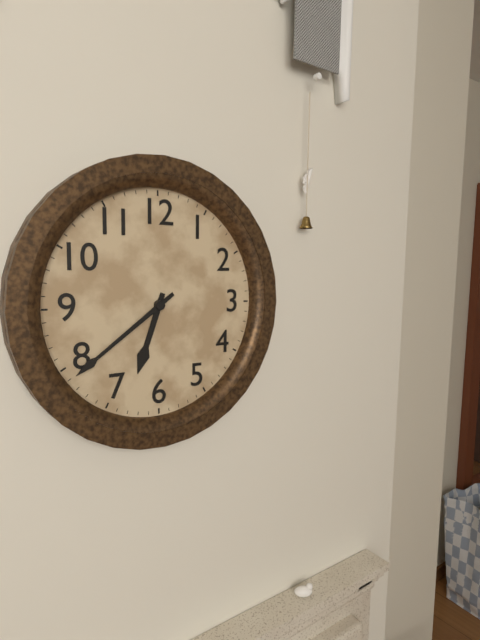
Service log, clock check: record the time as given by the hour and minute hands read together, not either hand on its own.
6:39
